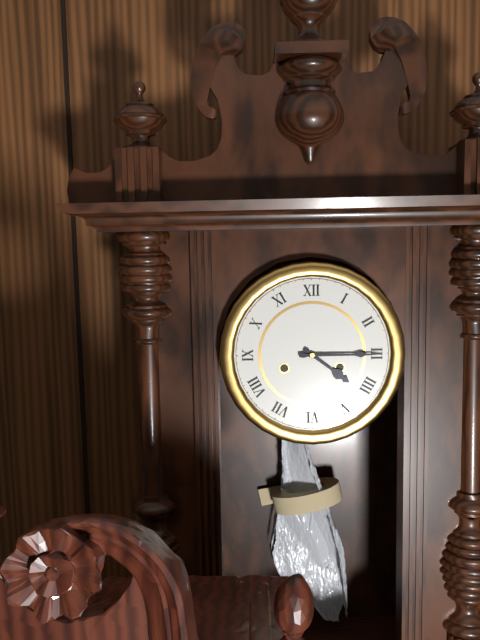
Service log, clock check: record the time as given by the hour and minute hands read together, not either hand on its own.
4:15
